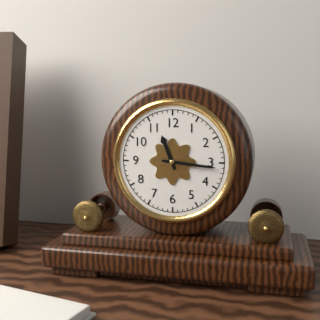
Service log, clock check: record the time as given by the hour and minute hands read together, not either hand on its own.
11:16
